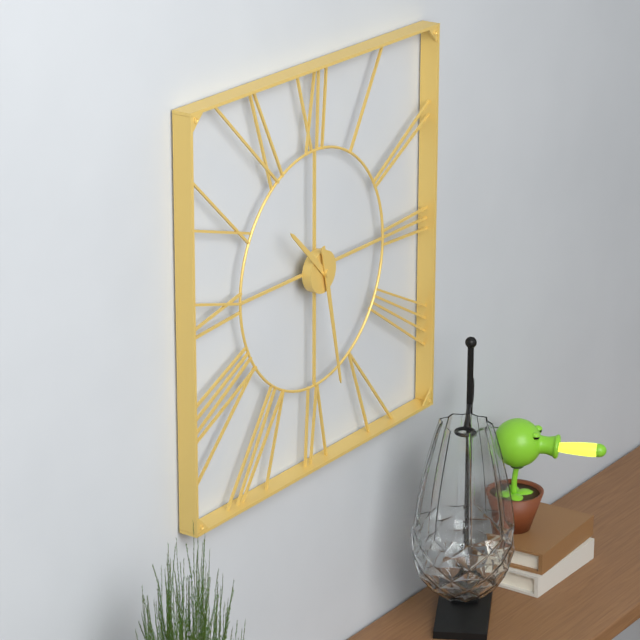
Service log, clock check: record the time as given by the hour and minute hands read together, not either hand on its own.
10:28
